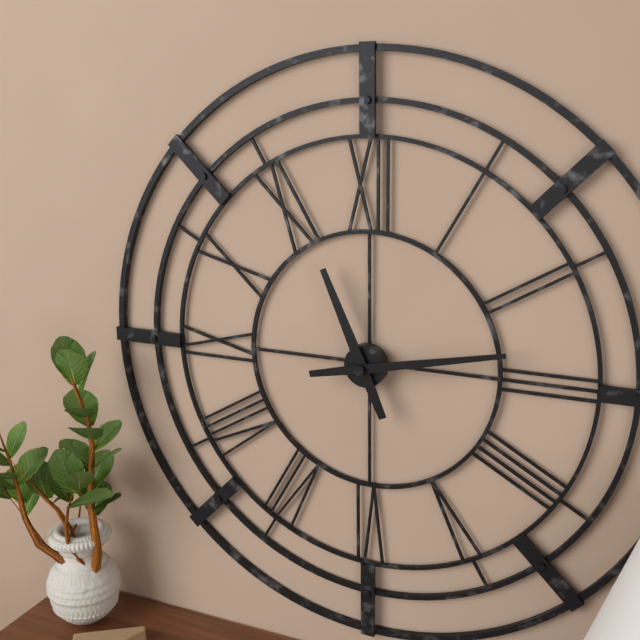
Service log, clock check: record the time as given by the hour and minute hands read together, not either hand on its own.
11:13
